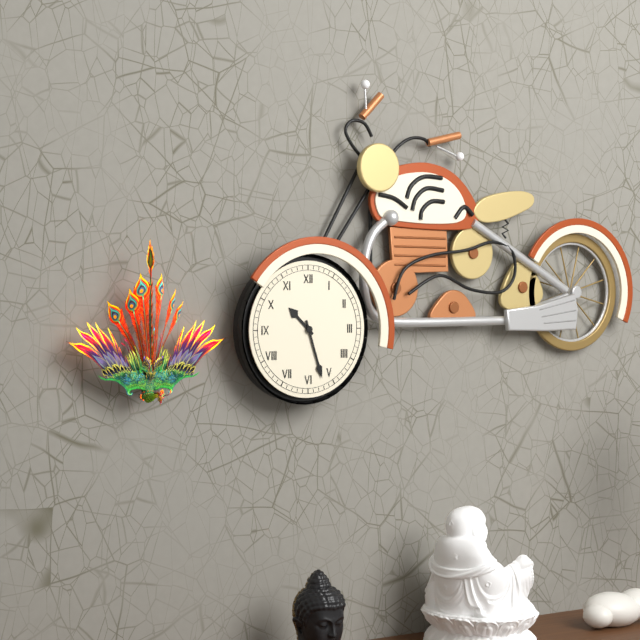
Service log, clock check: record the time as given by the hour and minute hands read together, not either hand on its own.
10:27
